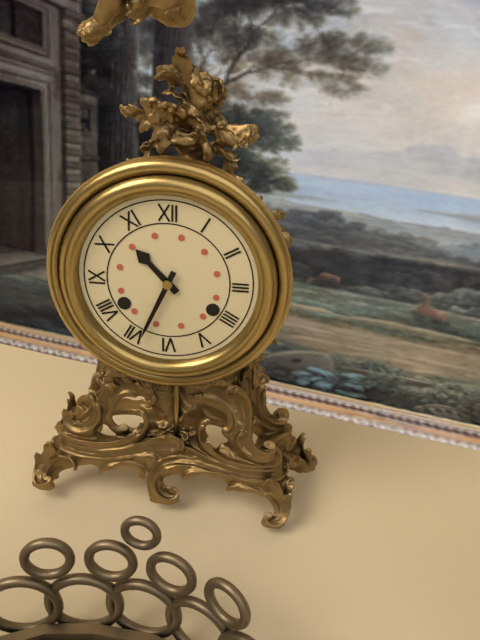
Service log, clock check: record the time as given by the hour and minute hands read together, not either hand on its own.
10:34
